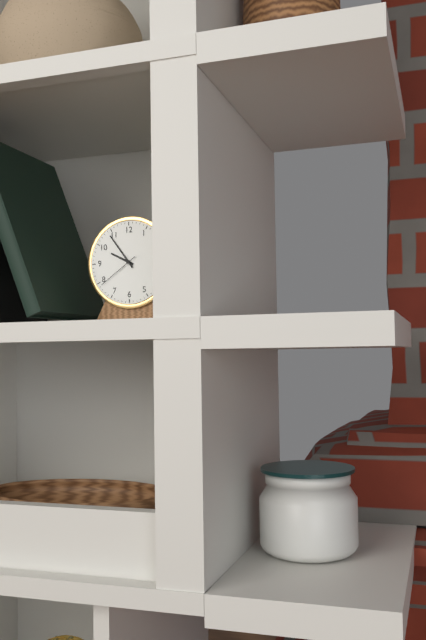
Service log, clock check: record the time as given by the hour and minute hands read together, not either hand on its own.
9:54
